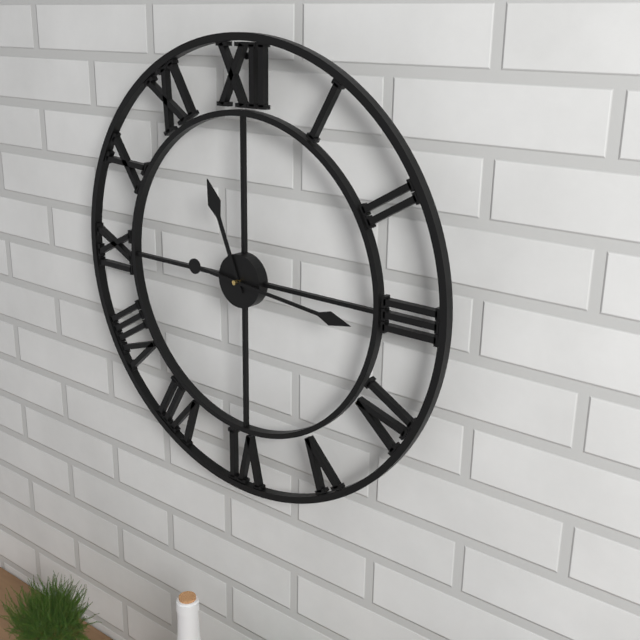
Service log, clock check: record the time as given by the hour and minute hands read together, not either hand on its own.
11:16
